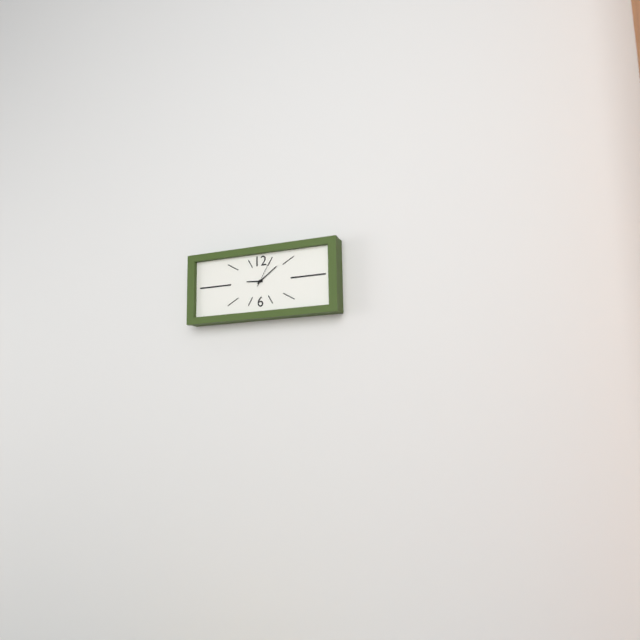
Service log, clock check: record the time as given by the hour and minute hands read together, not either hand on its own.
9:09
